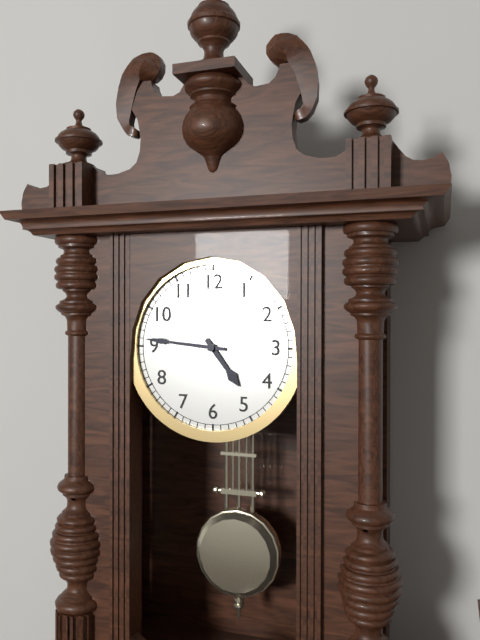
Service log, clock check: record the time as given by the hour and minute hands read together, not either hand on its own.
4:46
